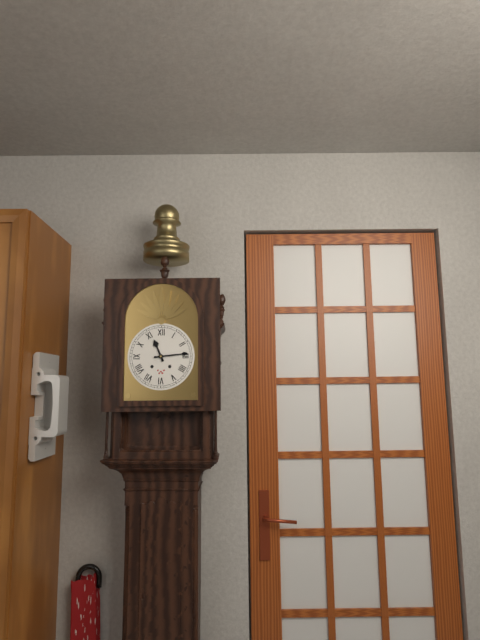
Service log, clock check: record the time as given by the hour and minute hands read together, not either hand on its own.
11:14
